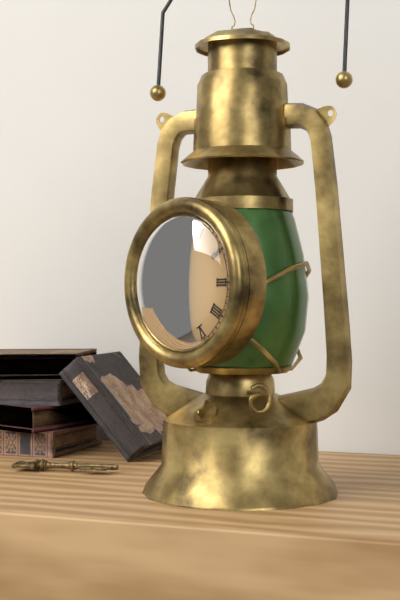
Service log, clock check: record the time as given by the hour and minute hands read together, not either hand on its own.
8:02
